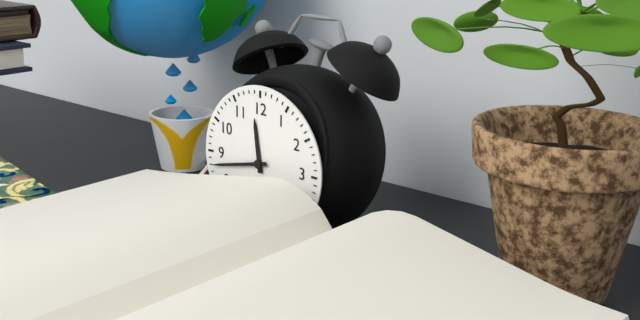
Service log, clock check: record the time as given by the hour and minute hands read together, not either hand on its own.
11:43
